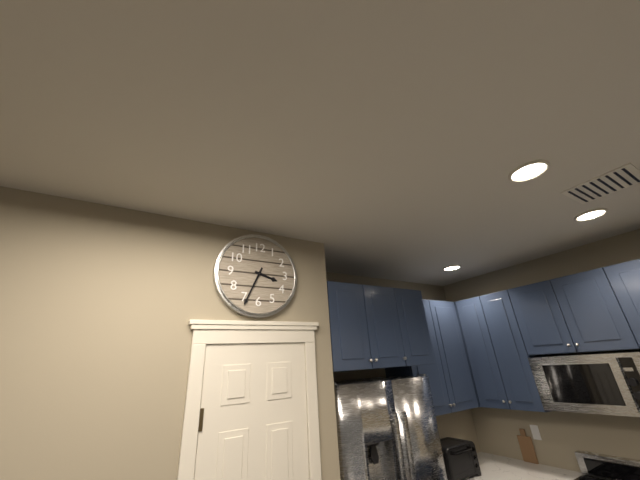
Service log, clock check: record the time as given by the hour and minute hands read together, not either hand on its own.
3:34
